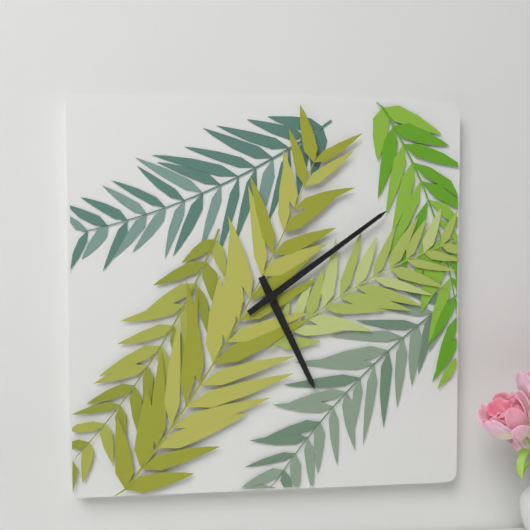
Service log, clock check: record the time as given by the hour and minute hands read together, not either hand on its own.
5:09
